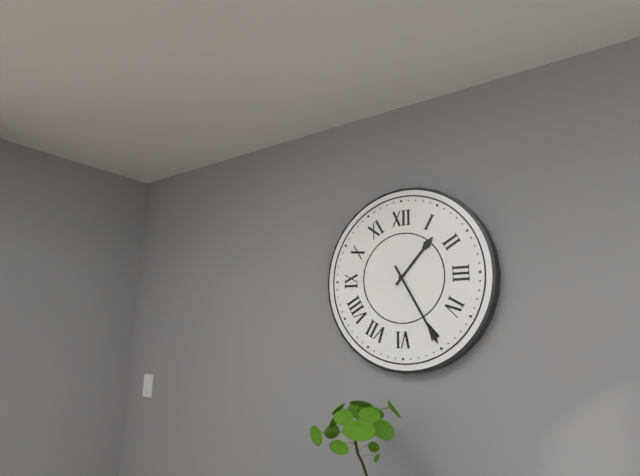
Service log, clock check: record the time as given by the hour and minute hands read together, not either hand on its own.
1:25
